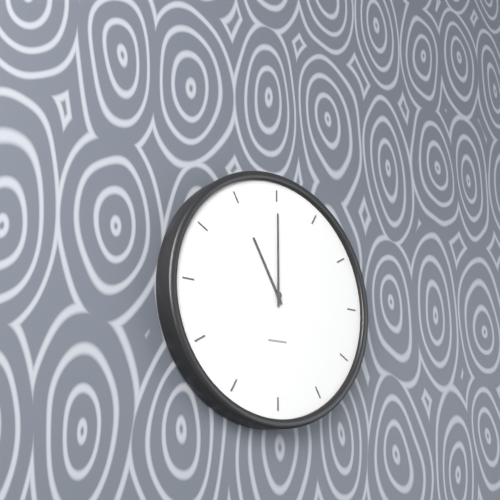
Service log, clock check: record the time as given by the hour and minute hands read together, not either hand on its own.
11:00
